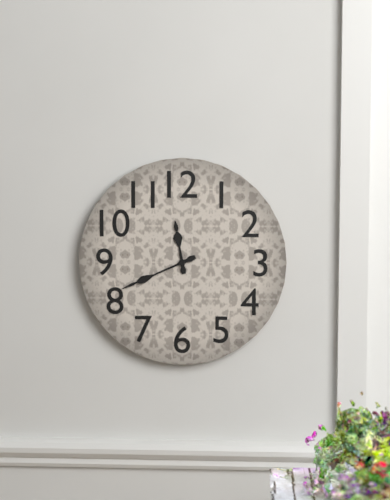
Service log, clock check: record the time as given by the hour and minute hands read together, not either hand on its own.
11:41
